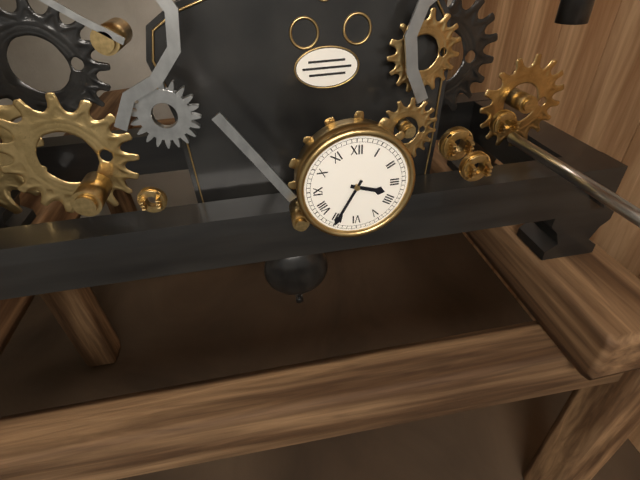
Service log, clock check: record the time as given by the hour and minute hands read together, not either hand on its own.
3:35
